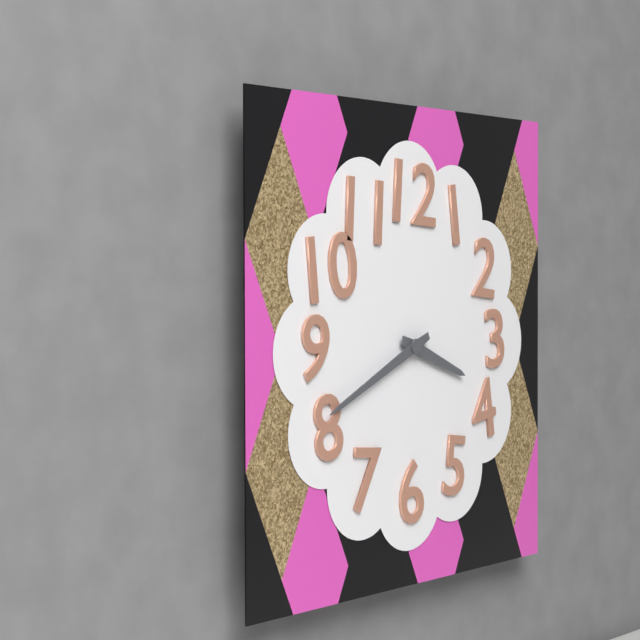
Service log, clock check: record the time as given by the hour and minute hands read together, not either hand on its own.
3:41
